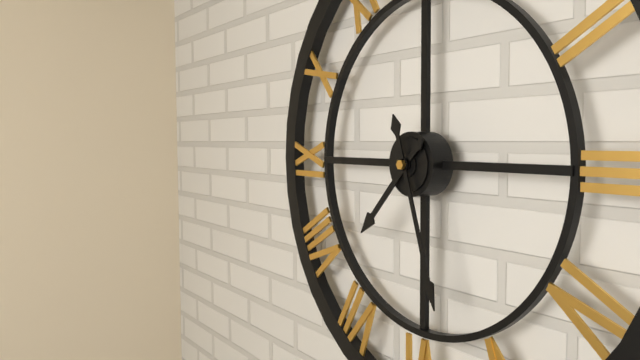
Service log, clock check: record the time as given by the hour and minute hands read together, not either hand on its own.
7:27
